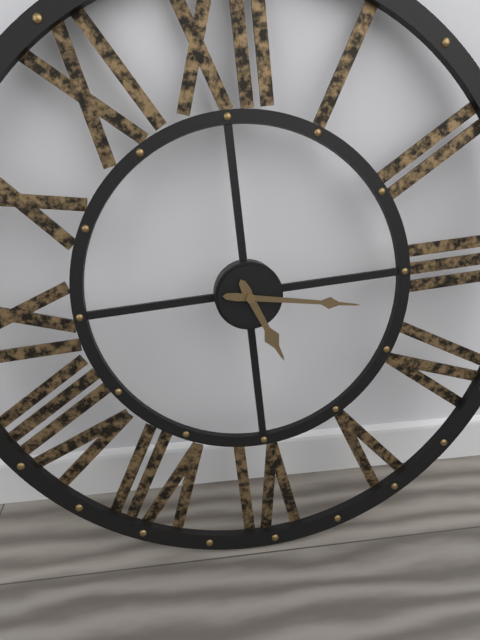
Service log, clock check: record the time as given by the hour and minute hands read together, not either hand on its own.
5:17
